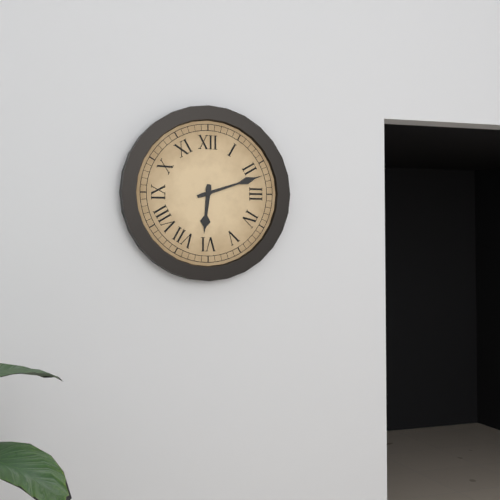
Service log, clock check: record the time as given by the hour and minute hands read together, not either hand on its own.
6:12
